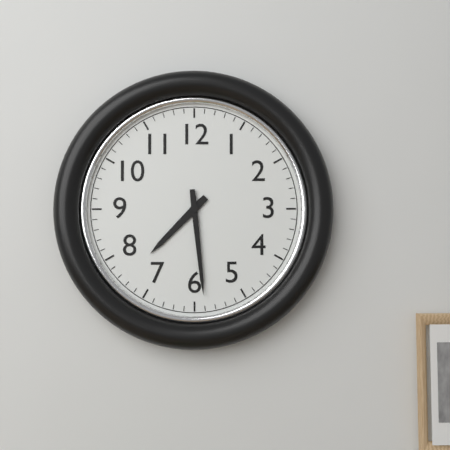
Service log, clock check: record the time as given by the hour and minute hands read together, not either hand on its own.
7:29
